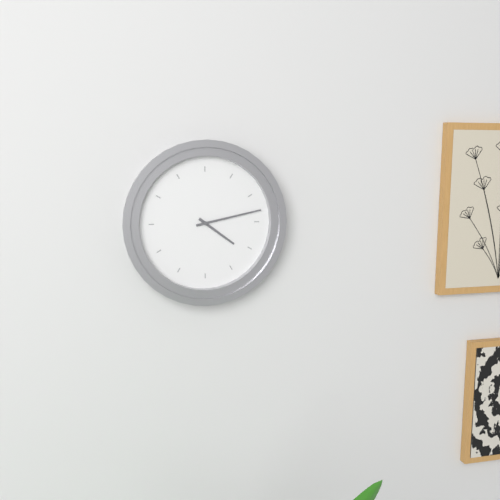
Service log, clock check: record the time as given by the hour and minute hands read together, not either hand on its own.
4:13
